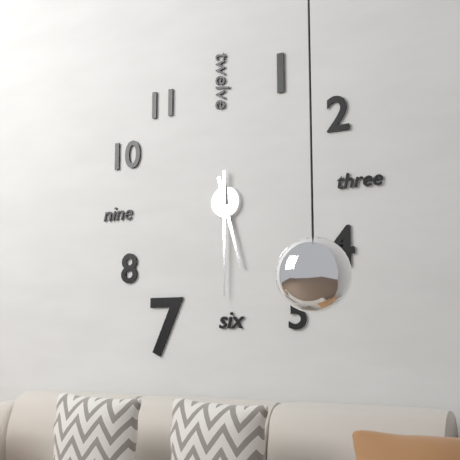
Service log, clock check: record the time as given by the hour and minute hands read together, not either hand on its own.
5:30
